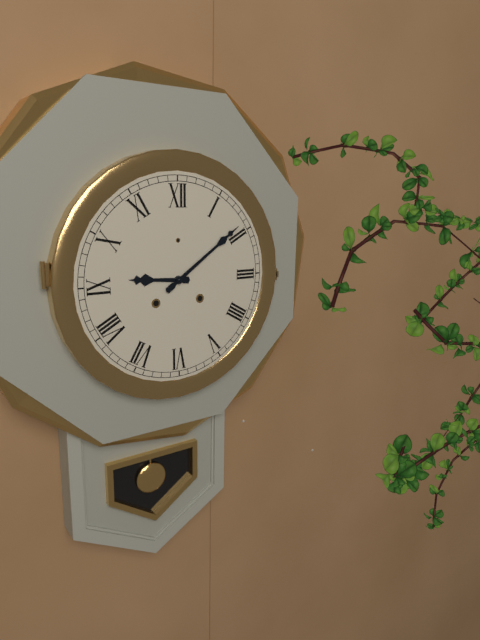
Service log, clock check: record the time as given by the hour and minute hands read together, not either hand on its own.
9:09
